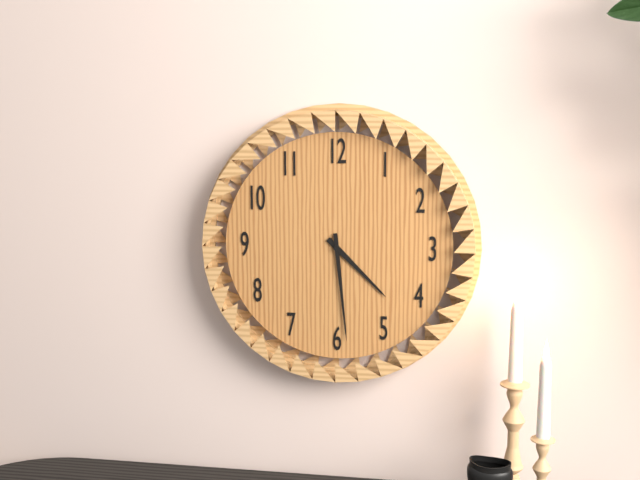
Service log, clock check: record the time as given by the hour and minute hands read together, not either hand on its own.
4:29
